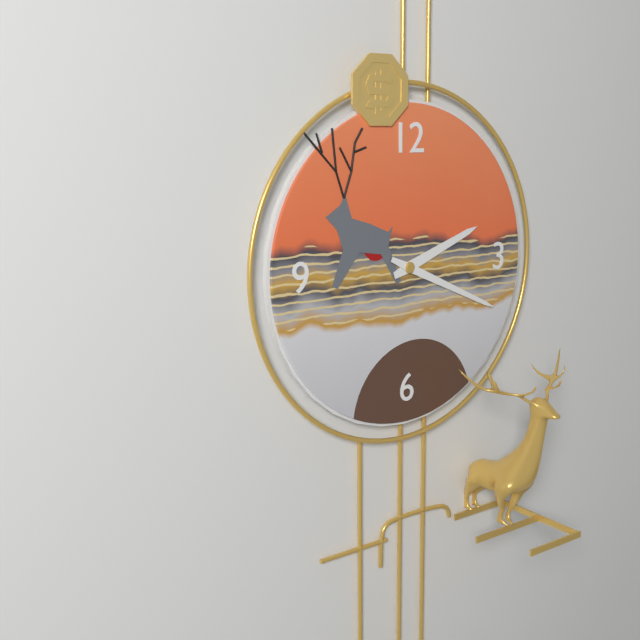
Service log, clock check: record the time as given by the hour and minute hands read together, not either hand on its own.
2:19
